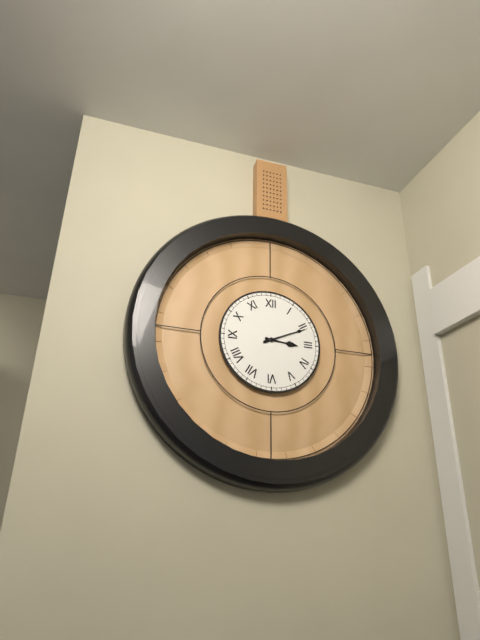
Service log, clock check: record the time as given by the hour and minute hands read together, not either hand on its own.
3:11
